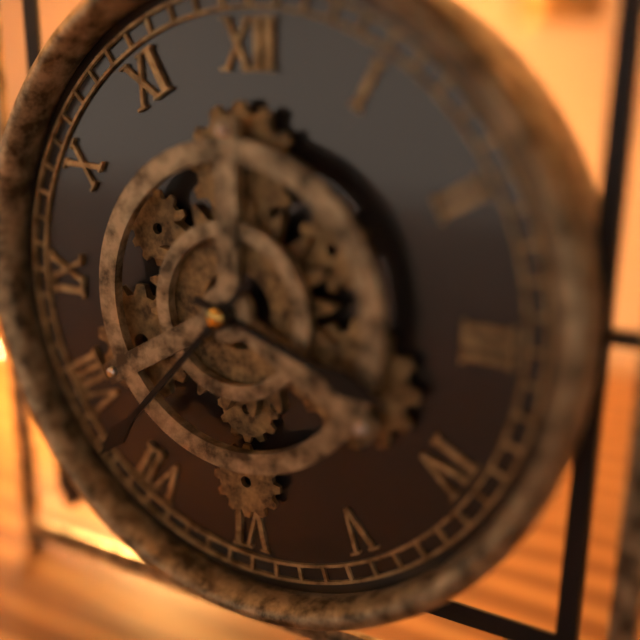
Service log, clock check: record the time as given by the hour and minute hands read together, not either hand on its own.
3:37
